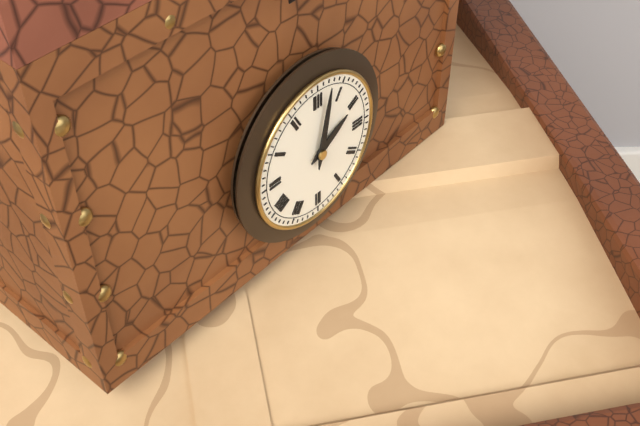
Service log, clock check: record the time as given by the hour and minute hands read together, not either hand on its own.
2:02
